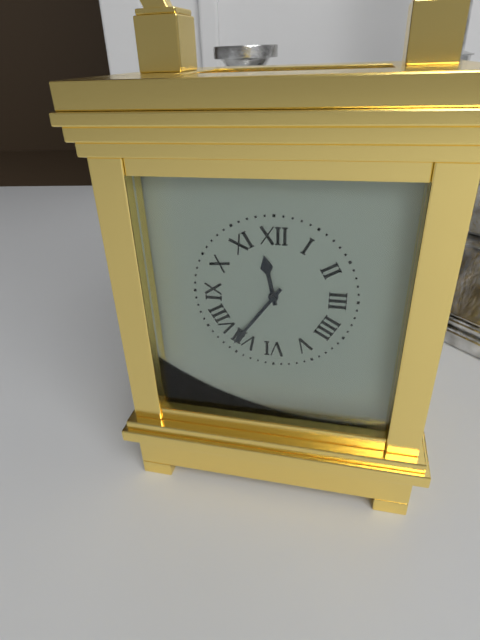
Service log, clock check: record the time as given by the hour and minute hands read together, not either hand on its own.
11:36
